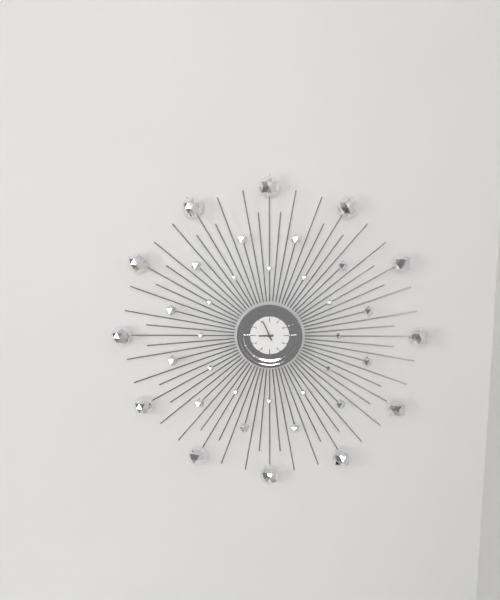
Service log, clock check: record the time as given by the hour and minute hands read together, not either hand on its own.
8:56
